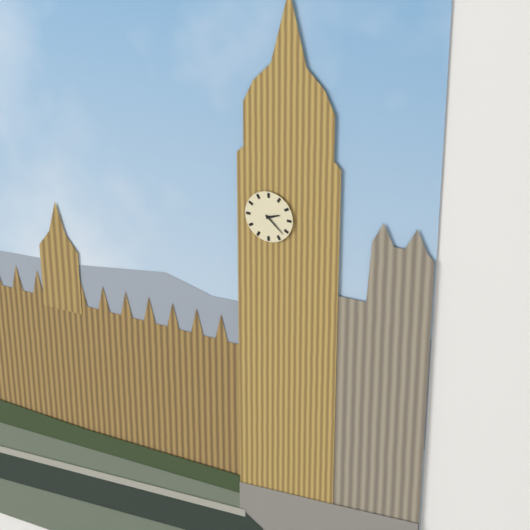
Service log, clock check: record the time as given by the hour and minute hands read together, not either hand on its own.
2:22
